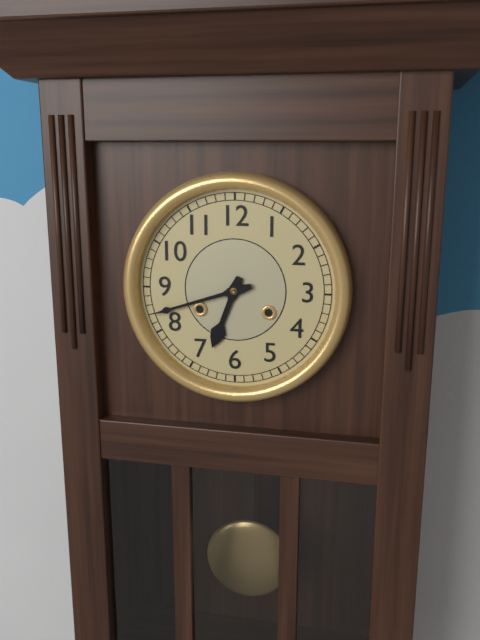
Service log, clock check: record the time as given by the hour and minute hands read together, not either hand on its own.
6:42
